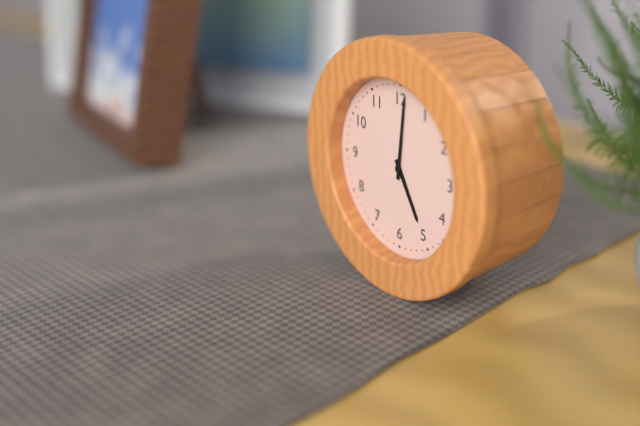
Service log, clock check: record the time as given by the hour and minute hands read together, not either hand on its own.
5:01
